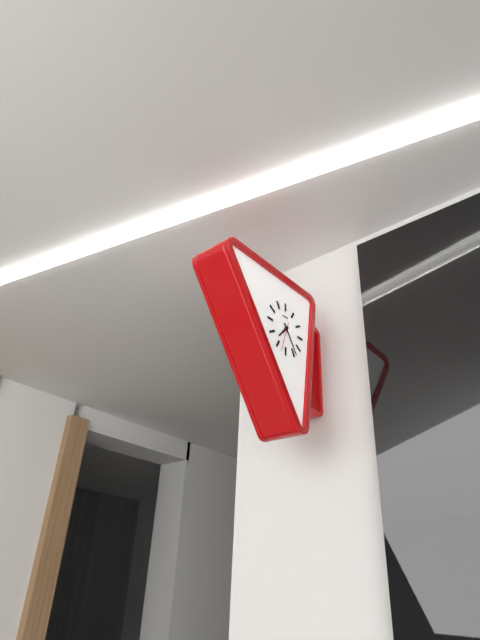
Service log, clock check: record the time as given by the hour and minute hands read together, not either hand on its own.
7:24
